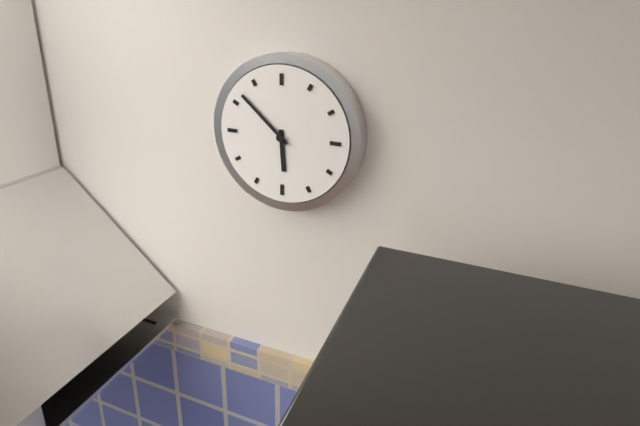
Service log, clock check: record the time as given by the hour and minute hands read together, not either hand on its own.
5:52
